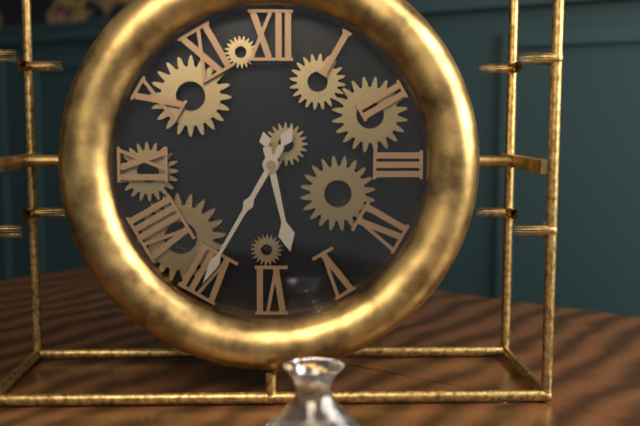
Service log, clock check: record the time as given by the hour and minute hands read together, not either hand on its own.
5:35
